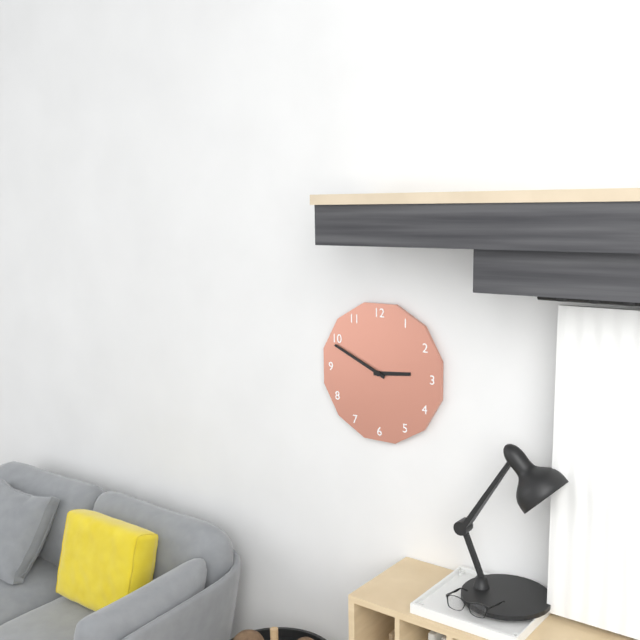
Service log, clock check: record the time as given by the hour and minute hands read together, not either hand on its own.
2:49
